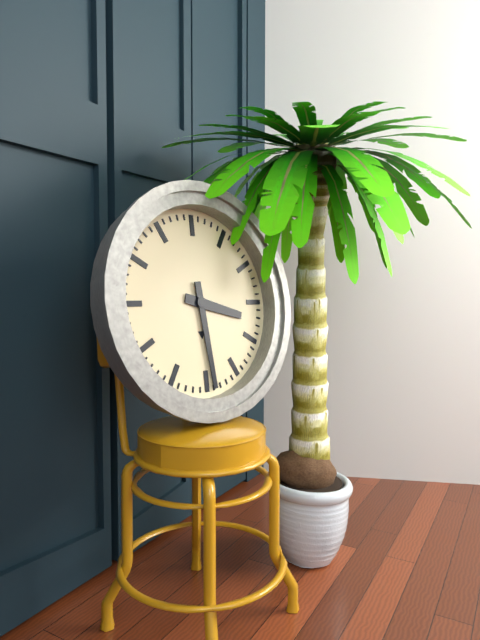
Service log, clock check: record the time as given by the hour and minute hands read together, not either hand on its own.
3:29
